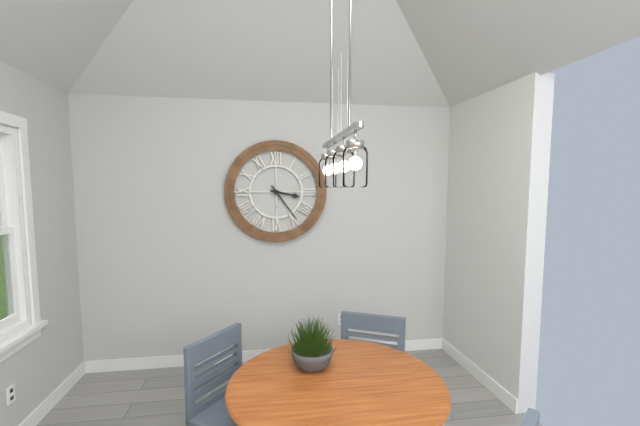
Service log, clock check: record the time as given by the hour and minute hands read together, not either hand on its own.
3:24
